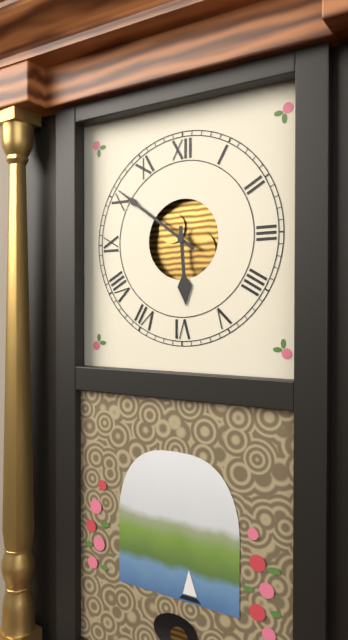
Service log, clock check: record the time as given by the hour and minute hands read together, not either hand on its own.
5:51
